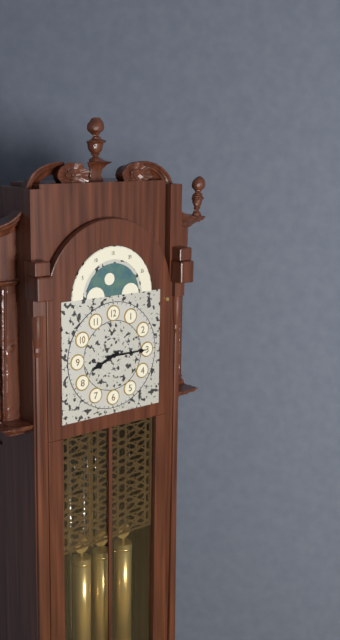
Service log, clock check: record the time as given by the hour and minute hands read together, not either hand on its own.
8:15
